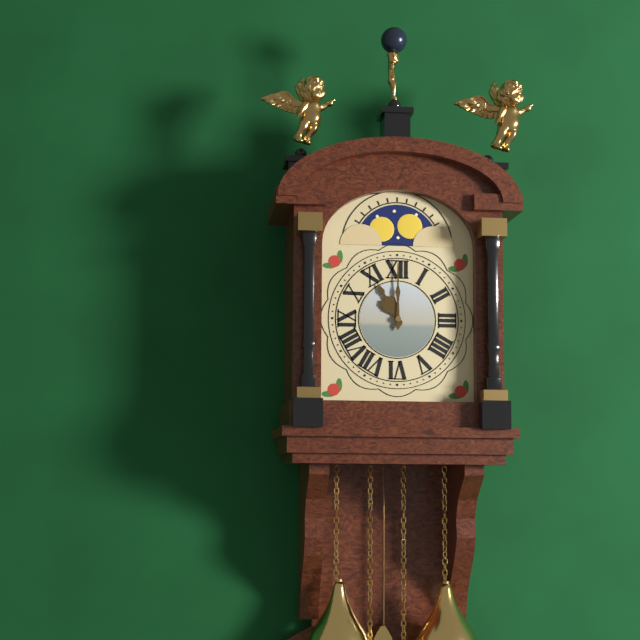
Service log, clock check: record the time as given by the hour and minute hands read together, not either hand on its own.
11:00
